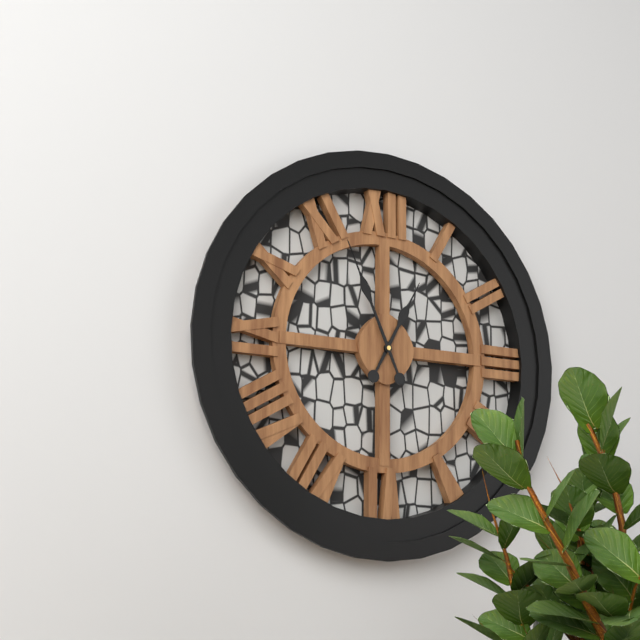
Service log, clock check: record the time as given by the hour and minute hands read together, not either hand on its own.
12:56
